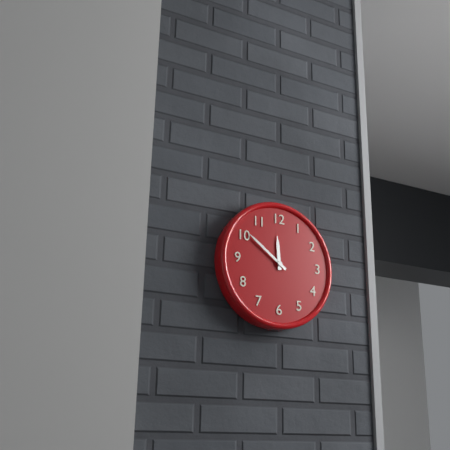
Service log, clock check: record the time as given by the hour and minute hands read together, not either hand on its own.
11:51
